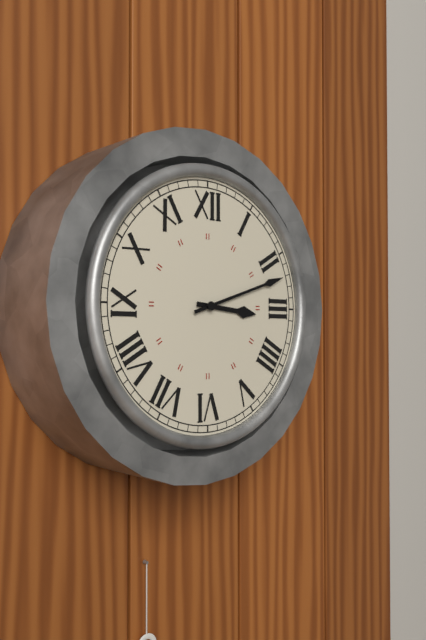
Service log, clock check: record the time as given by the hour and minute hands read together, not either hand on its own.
3:12
